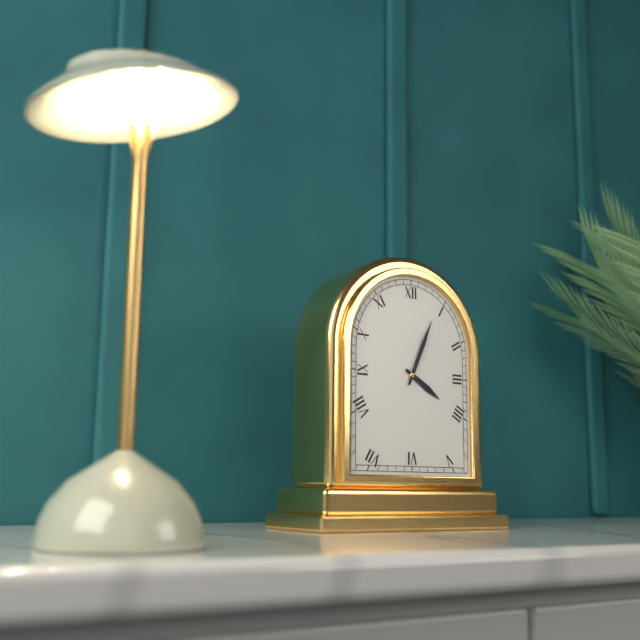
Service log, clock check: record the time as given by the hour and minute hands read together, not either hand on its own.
4:04
